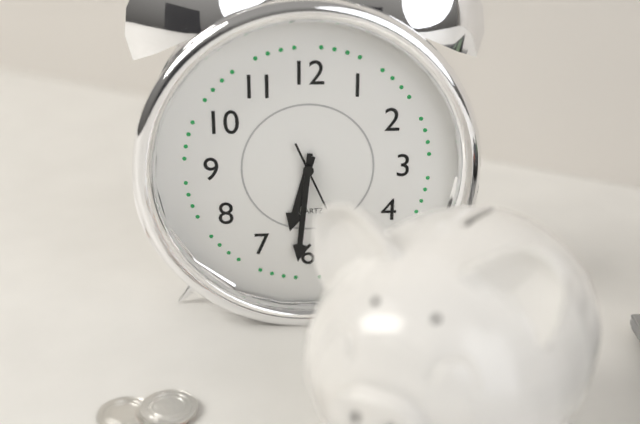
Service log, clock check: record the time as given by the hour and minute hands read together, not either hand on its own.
6:31
